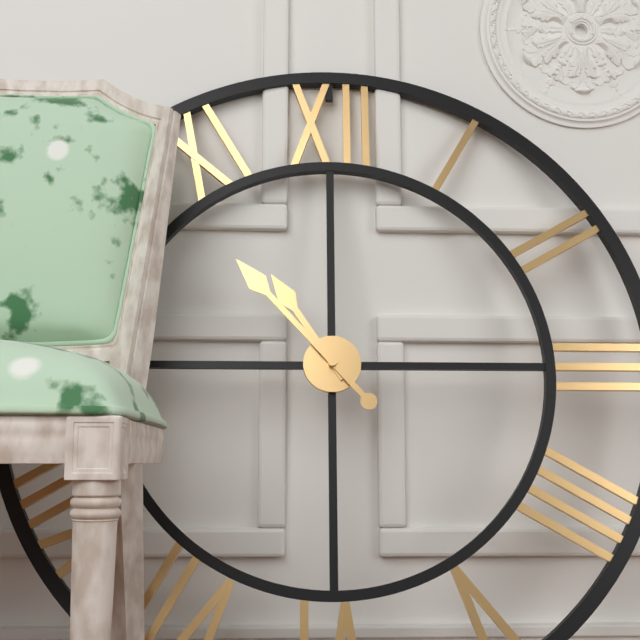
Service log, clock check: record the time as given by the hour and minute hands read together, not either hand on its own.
10:53
